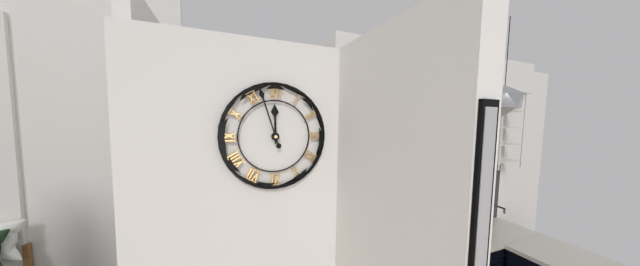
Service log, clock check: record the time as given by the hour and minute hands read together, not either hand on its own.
11:57
